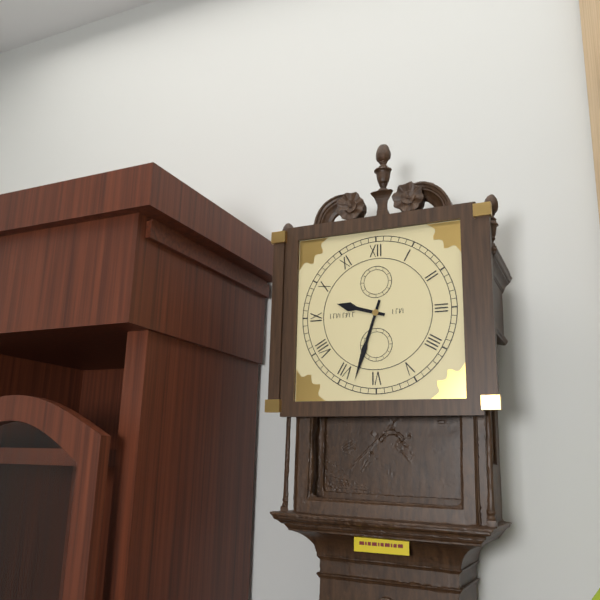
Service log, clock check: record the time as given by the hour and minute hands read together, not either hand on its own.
9:33
